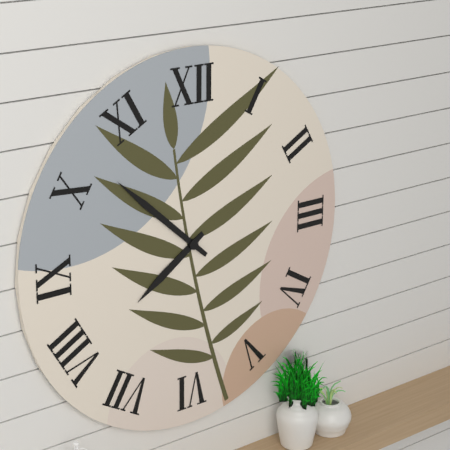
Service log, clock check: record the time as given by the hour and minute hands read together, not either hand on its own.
7:52
